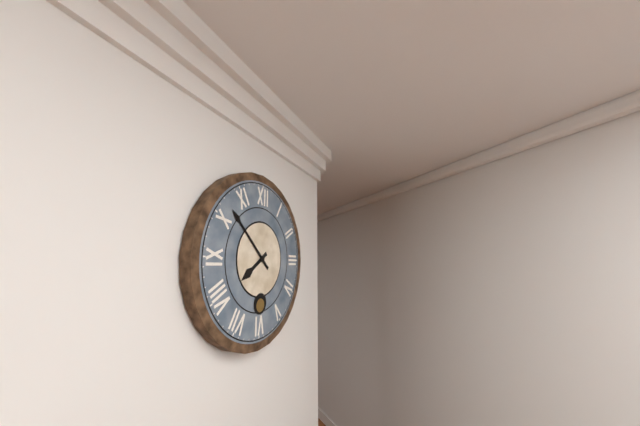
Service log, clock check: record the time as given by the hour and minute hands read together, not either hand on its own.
7:52
